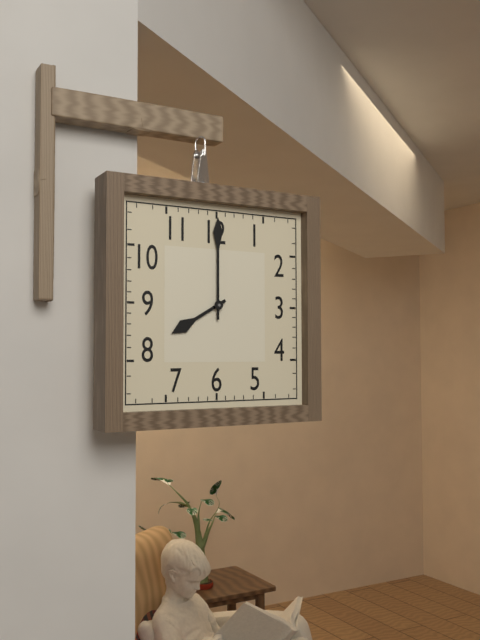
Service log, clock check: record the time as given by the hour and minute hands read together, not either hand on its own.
8:00
